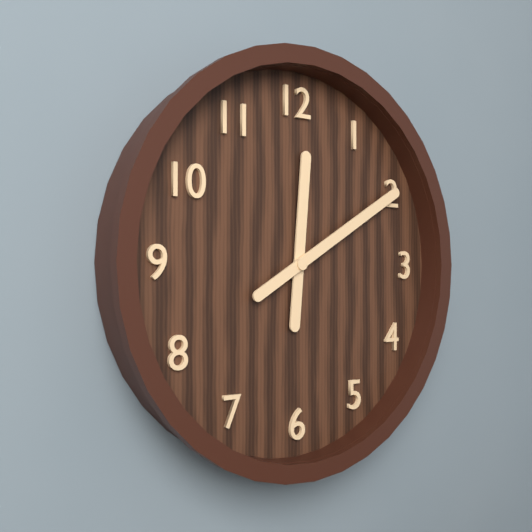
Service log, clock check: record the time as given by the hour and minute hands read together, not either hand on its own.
12:10
